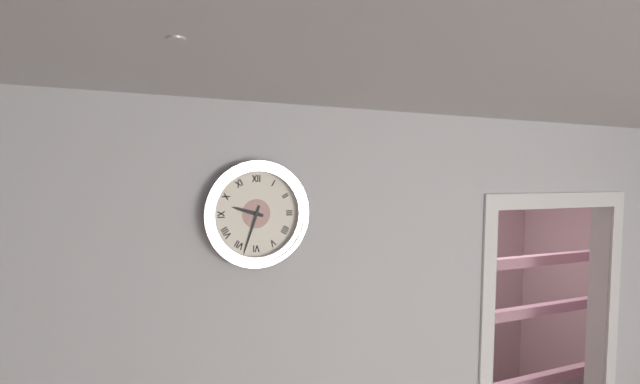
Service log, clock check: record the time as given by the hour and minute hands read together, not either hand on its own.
9:33
